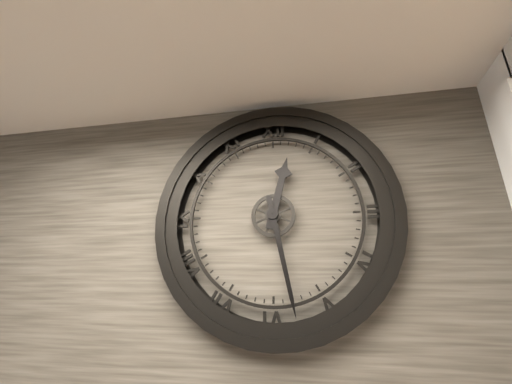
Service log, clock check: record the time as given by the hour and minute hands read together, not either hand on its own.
12:28
